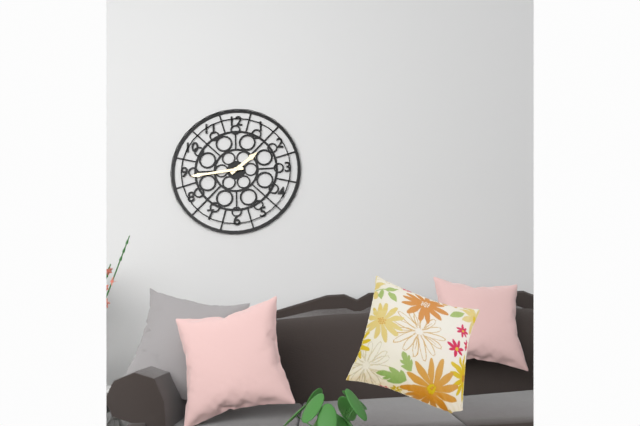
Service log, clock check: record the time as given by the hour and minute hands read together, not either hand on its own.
1:44
